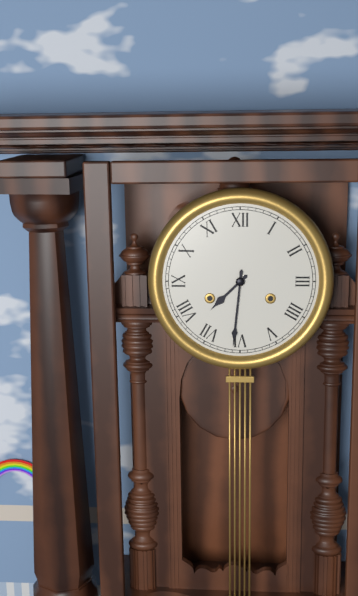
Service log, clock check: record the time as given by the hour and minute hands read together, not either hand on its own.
7:31
